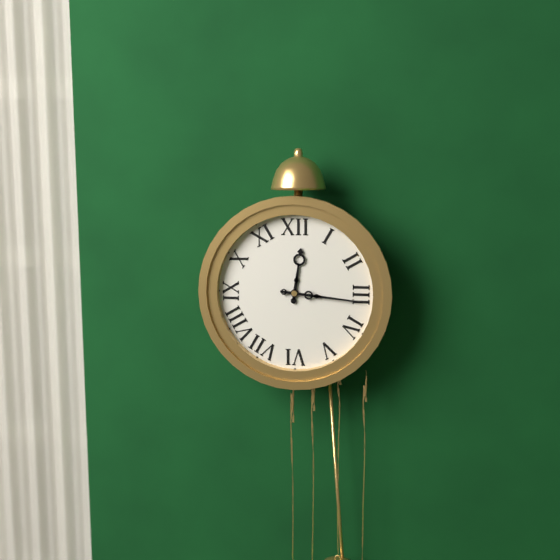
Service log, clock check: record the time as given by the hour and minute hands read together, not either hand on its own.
12:16
